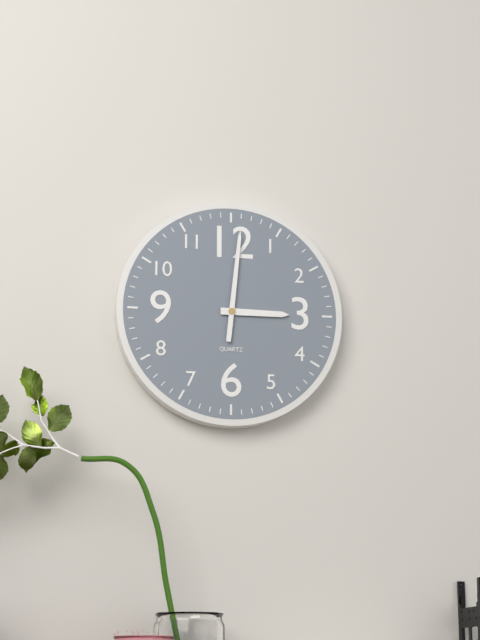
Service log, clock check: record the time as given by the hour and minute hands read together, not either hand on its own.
3:01
